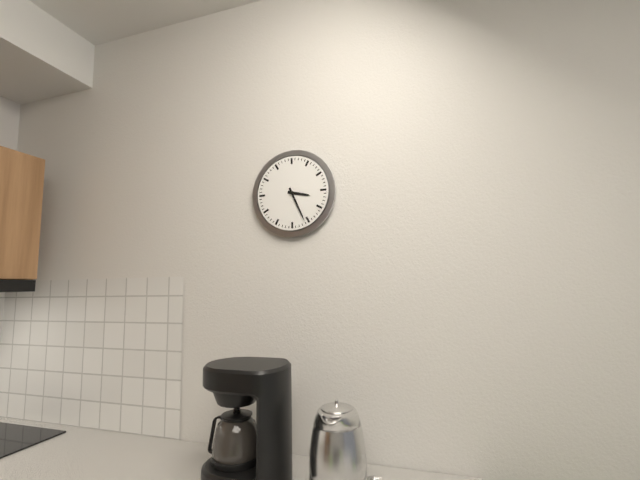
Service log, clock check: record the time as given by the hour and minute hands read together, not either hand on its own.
3:26
